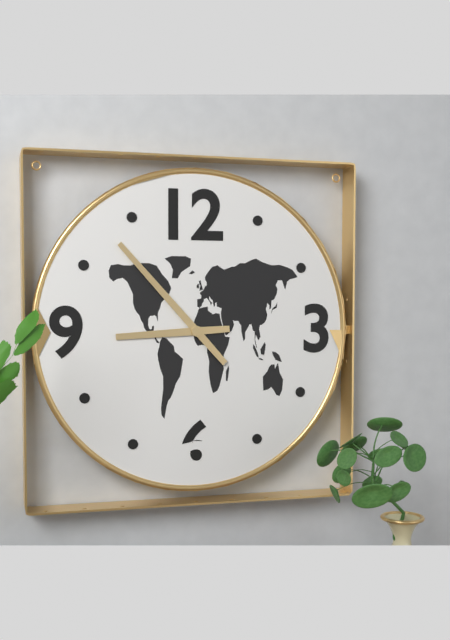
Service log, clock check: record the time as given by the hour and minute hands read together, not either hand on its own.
8:53
